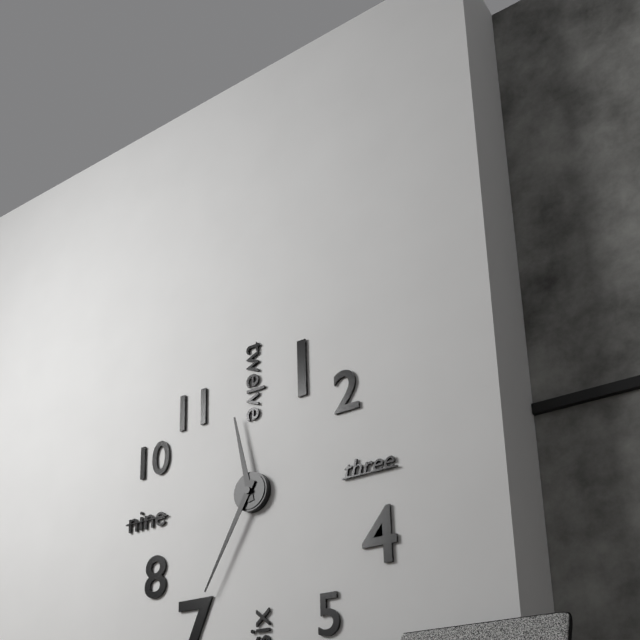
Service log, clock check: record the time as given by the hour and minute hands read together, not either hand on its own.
11:35
